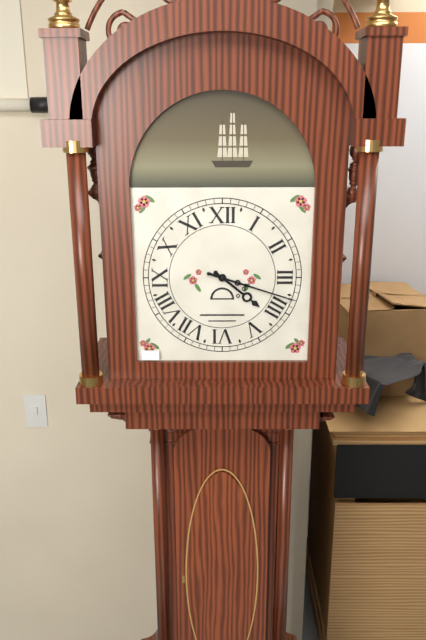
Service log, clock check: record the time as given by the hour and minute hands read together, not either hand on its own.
4:18
